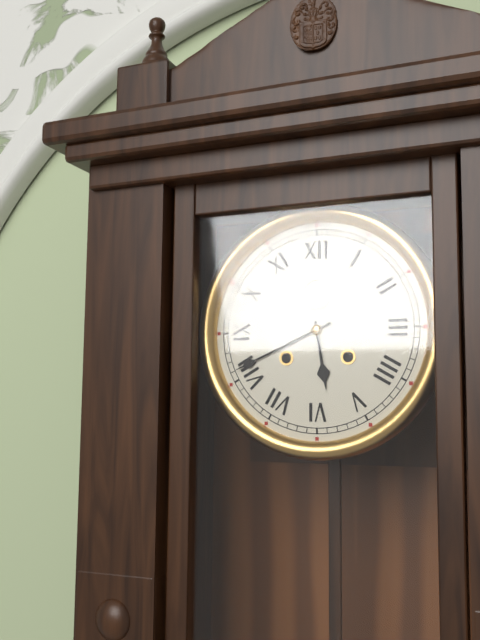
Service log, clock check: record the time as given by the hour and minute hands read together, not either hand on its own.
5:41
